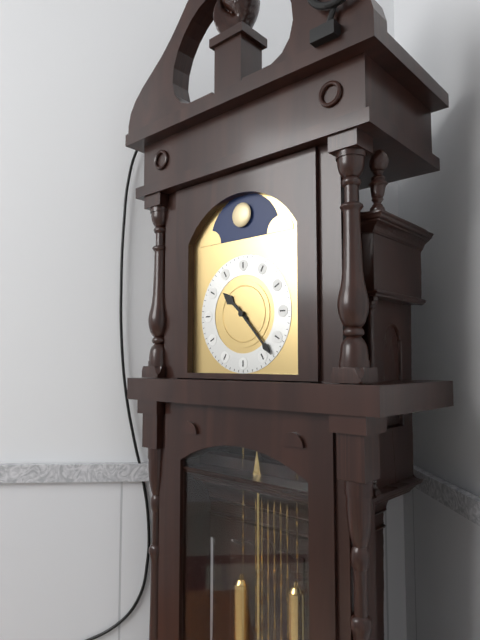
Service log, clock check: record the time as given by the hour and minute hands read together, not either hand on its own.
10:23
